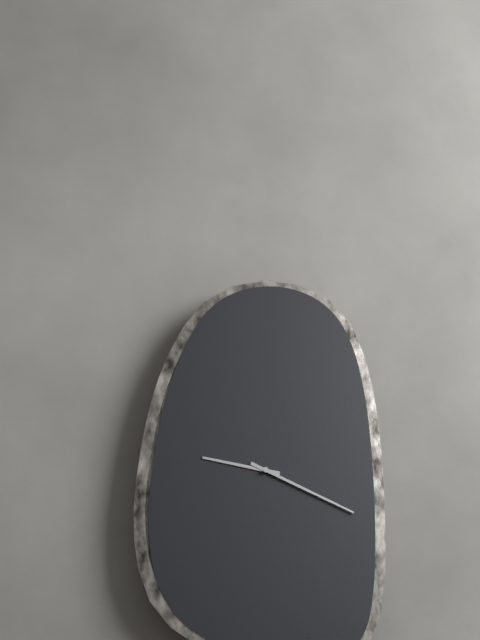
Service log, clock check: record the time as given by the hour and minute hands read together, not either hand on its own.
9:19
